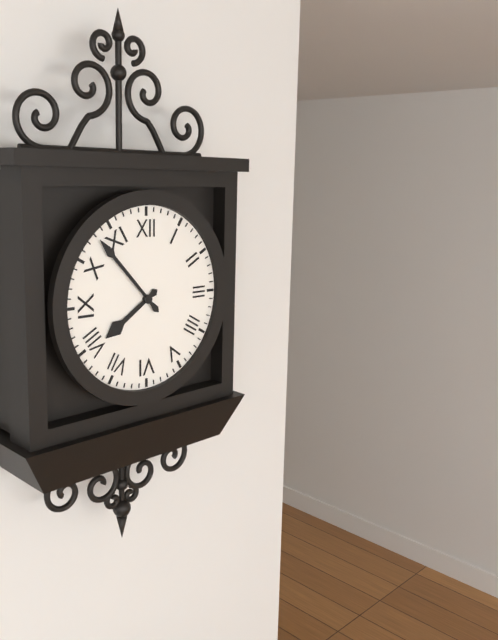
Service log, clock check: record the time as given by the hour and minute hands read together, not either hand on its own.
7:53
